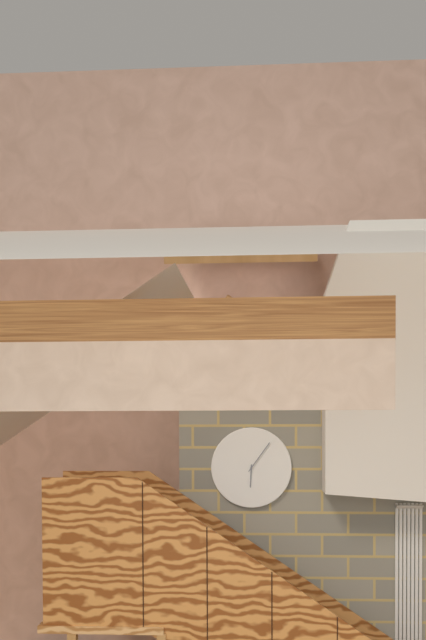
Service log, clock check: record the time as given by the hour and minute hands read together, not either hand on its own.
6:06
